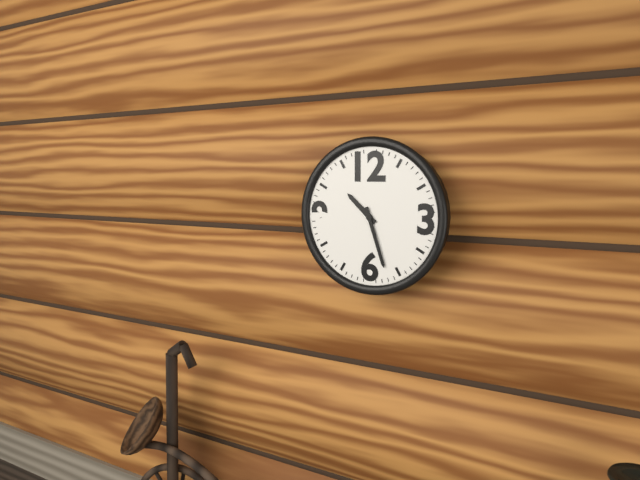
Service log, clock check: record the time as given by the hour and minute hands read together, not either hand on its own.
10:27
